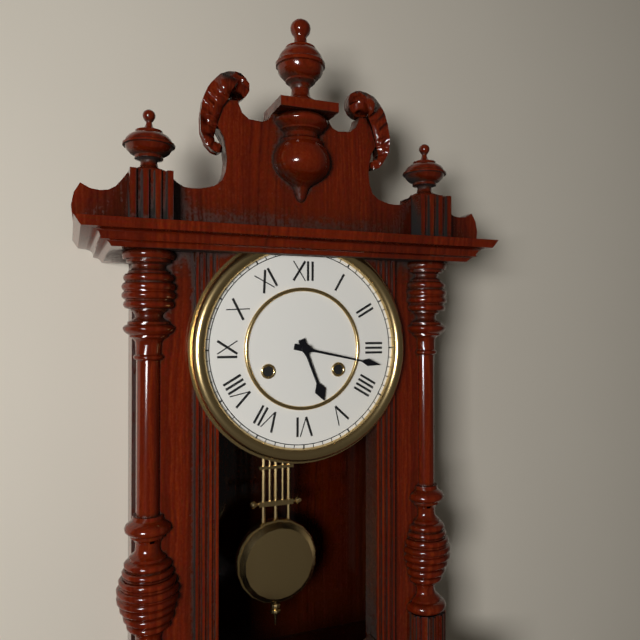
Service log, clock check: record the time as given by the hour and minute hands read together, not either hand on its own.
5:17
